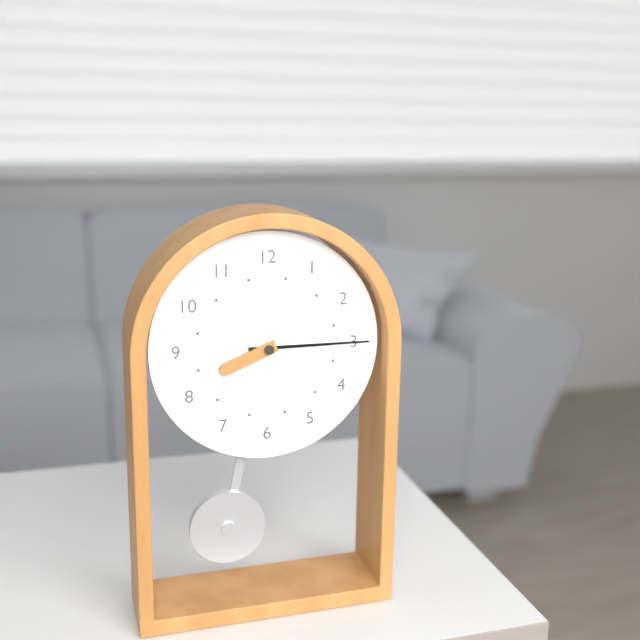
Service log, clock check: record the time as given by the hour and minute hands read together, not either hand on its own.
8:15
